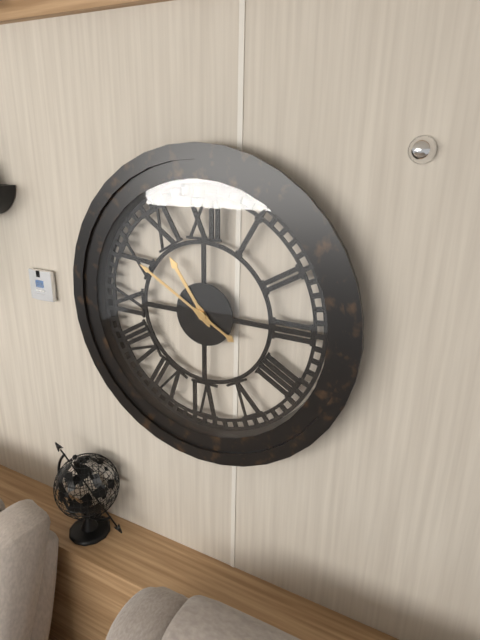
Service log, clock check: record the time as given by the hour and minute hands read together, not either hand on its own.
10:50
